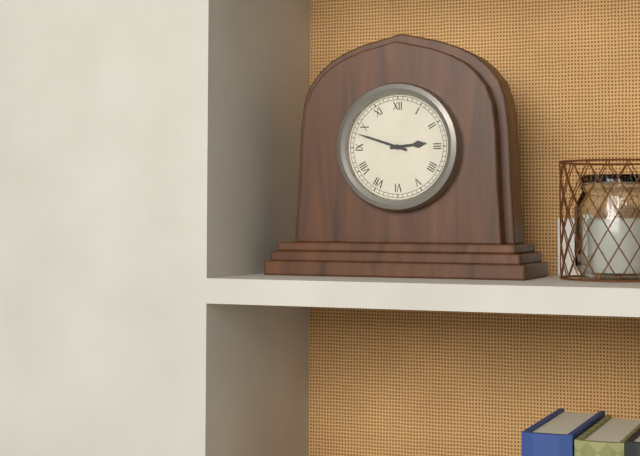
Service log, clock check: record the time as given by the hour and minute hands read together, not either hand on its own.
2:48
